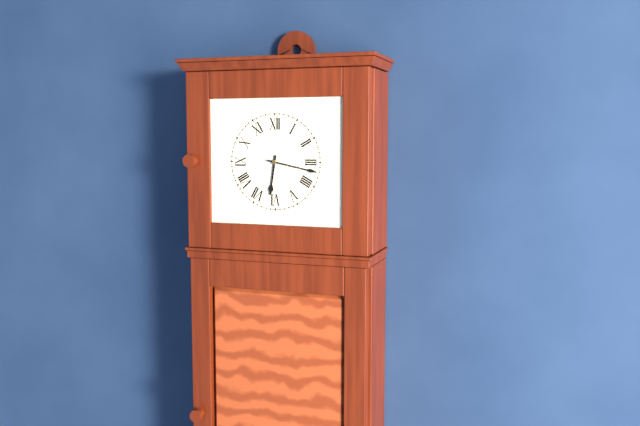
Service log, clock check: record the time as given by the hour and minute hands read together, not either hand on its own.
6:17
